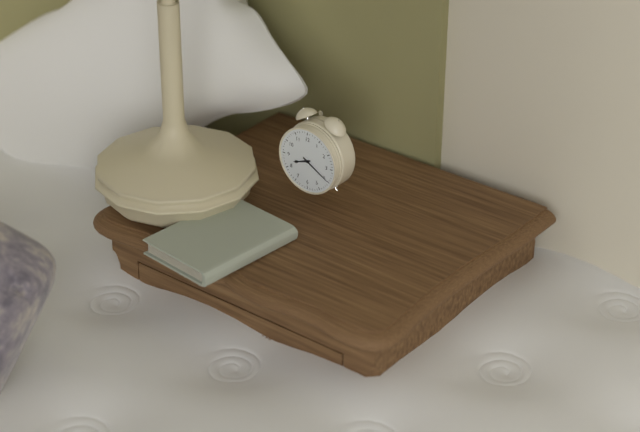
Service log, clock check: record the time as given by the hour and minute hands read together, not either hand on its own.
8:20
